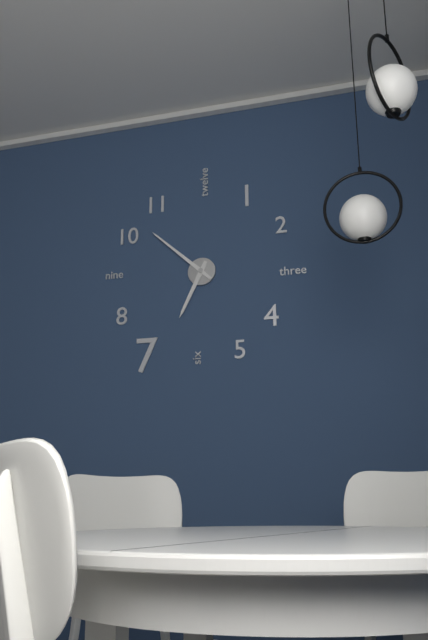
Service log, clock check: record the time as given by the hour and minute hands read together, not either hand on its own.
6:52
